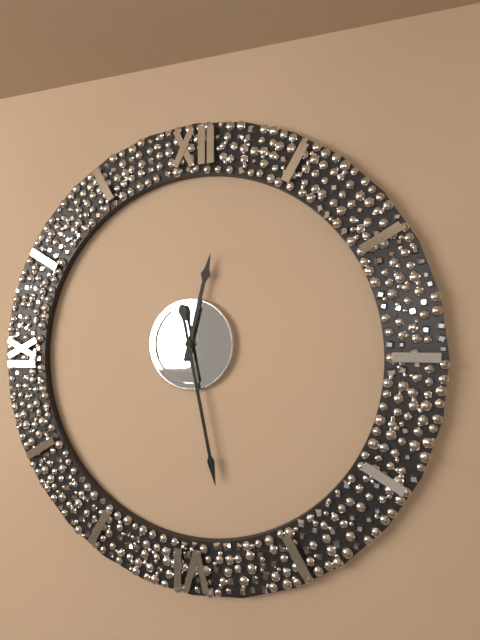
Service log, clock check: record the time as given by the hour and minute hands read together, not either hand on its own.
12:28
